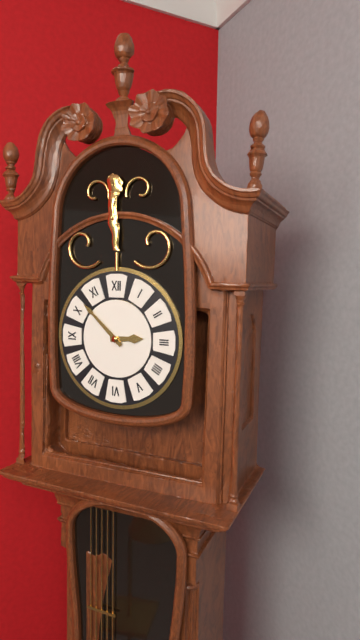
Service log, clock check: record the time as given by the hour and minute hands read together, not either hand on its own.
2:52
